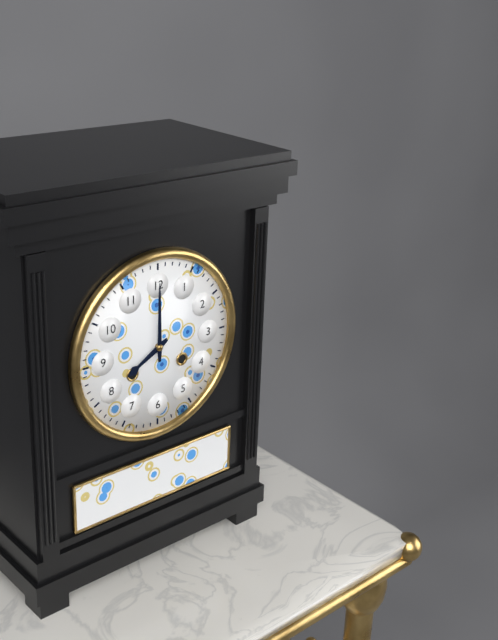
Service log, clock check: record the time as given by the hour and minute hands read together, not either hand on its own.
8:00
